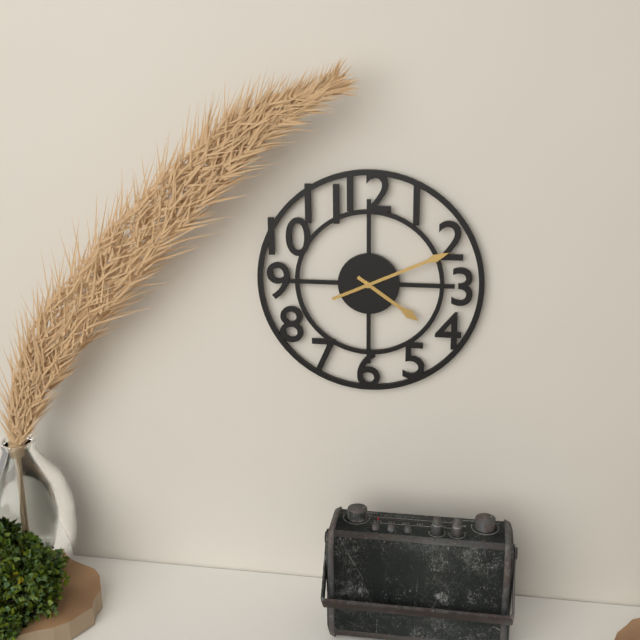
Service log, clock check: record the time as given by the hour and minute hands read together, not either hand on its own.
4:11
